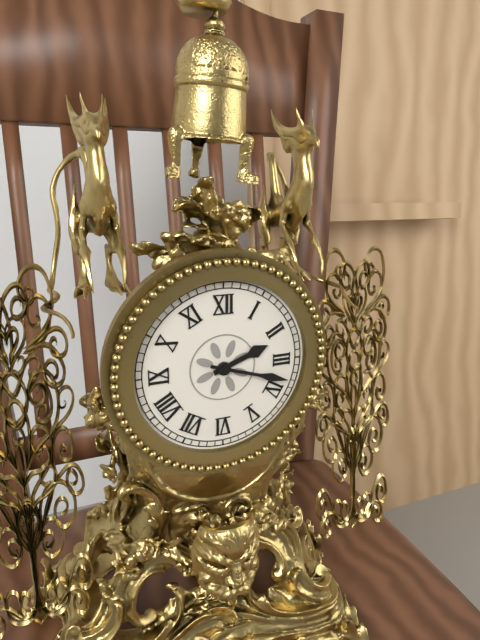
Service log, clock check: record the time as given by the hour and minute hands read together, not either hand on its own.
2:18
